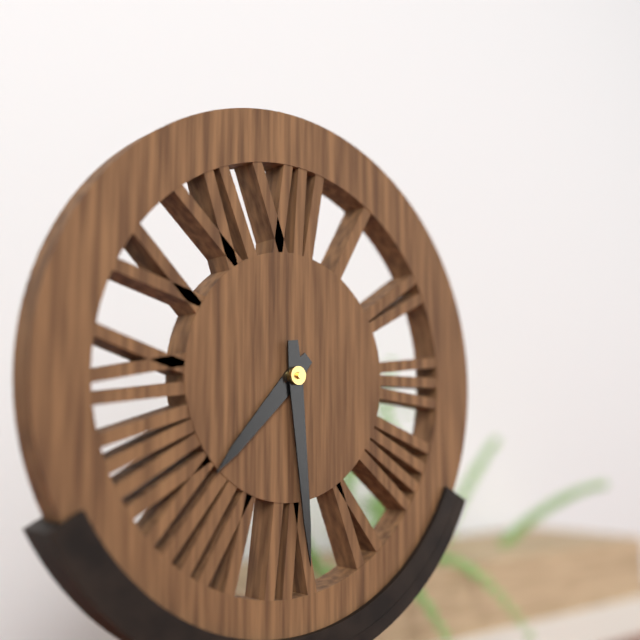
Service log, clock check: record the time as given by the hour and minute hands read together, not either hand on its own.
7:29
